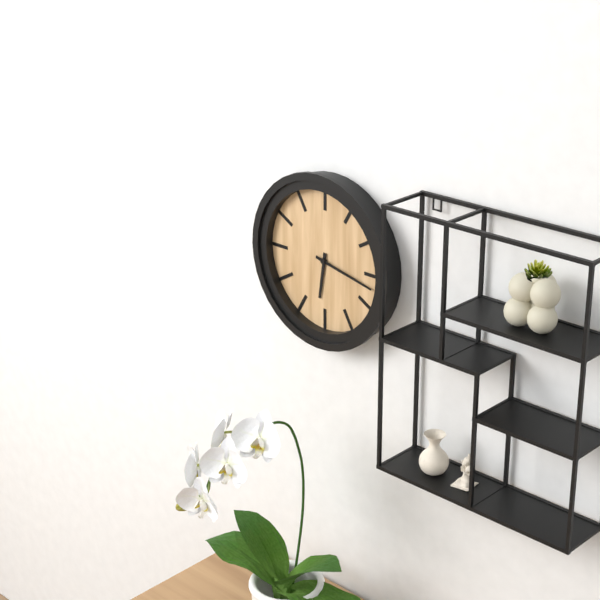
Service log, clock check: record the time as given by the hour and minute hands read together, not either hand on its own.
6:17
